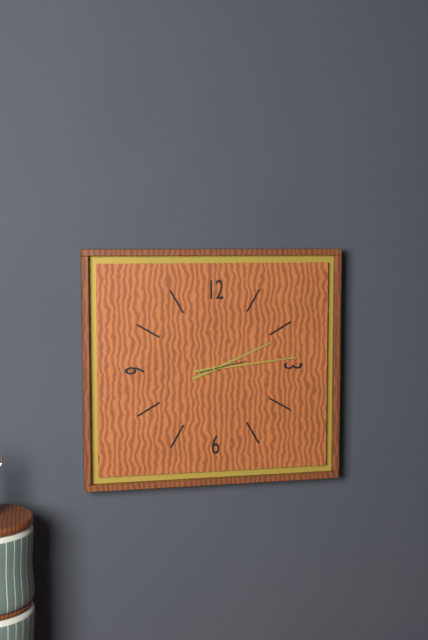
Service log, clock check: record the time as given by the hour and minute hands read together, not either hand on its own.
2:14
